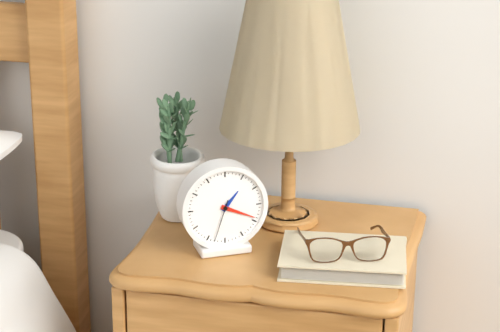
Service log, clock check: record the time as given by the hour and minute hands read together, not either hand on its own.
1:19
